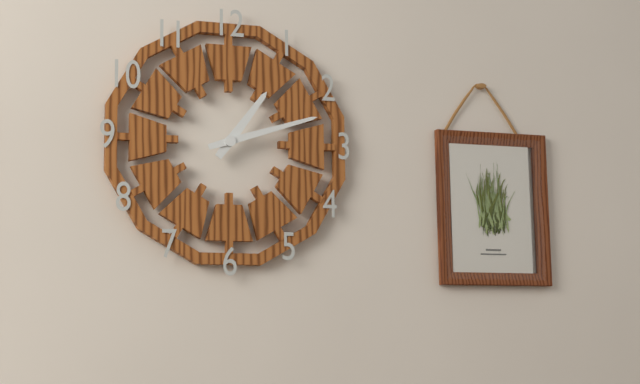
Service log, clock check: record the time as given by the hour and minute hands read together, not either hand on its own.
1:12
